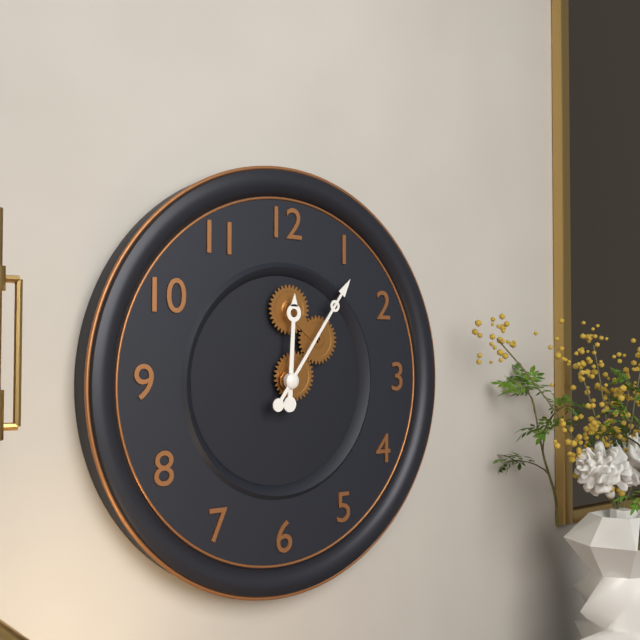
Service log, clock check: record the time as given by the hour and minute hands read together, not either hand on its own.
12:06
